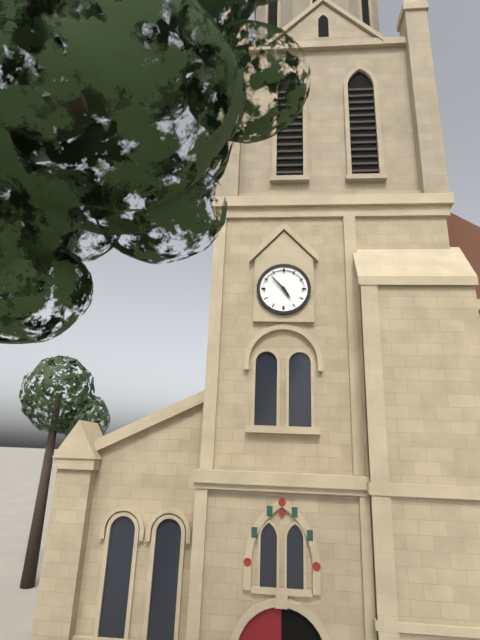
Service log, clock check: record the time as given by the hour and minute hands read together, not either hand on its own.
4:53
